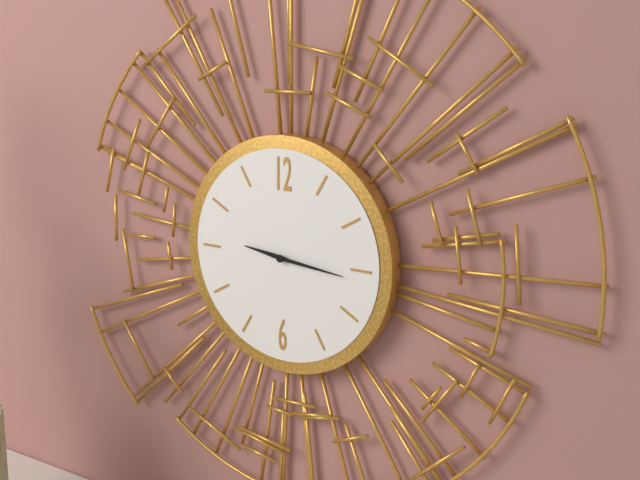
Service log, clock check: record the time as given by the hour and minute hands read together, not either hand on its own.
9:16
